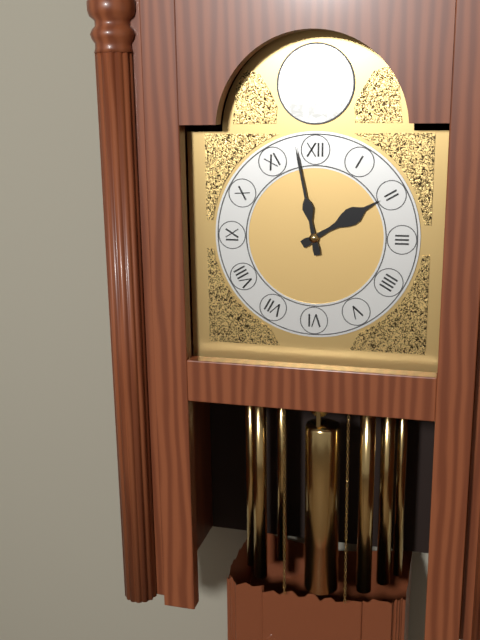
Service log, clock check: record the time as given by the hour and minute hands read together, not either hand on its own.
1:58
